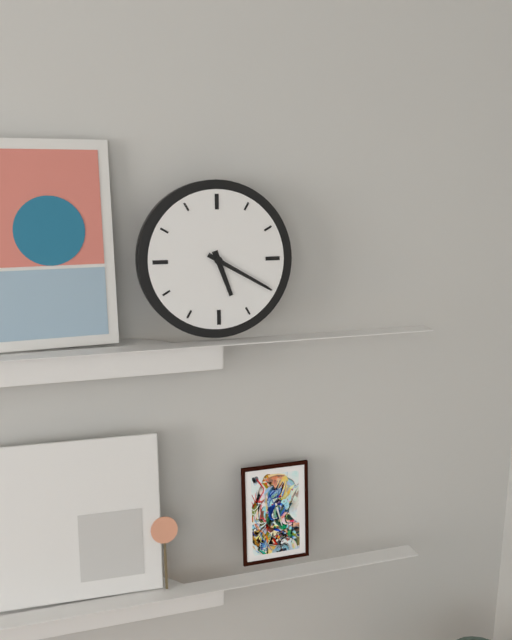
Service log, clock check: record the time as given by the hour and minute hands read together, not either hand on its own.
5:20
